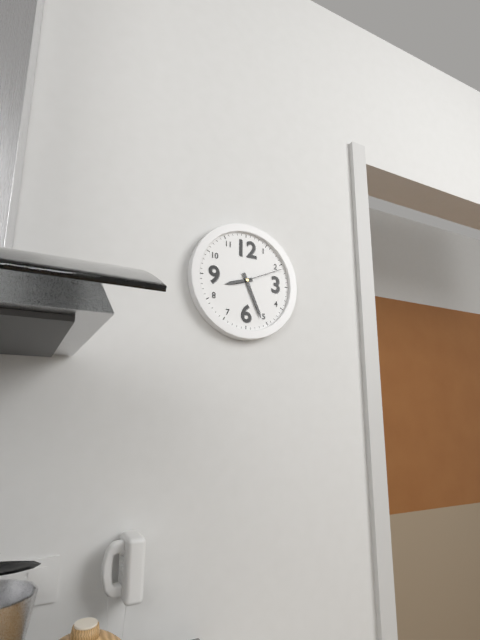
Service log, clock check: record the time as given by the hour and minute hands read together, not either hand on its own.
8:26
